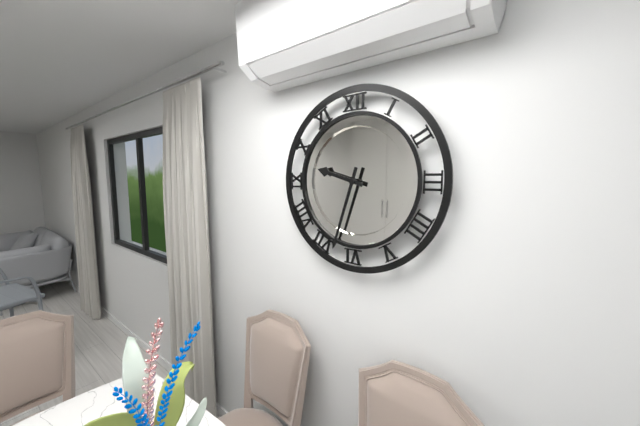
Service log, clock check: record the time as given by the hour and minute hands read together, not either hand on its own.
9:33
